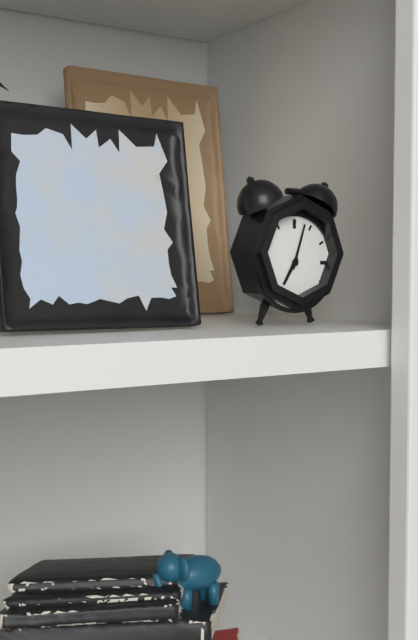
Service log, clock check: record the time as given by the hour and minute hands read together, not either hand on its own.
7:03
